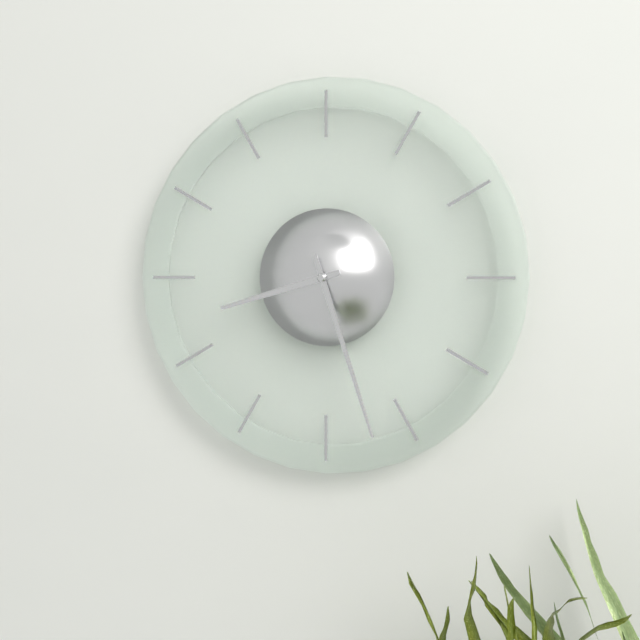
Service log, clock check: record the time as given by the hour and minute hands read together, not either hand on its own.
8:27
